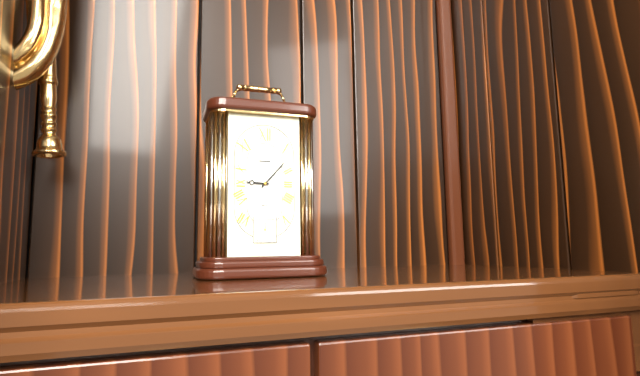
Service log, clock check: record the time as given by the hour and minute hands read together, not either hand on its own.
9:07
